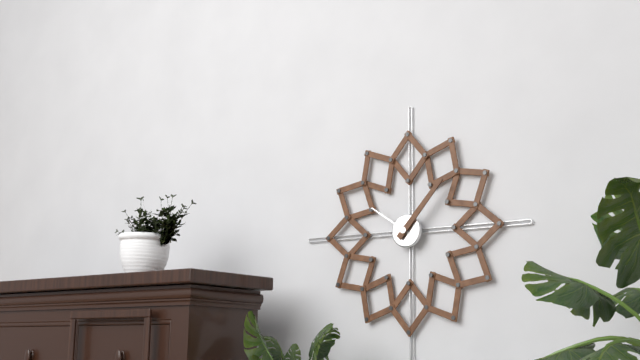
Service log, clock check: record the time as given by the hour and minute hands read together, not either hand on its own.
10:07
